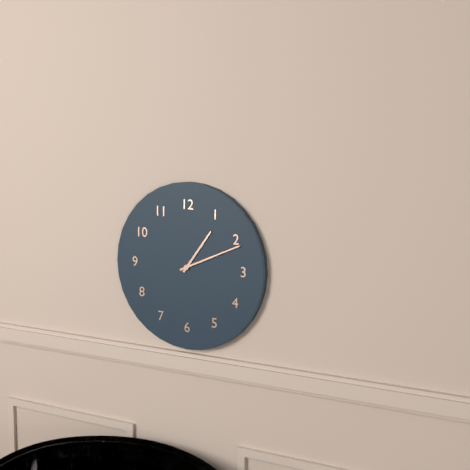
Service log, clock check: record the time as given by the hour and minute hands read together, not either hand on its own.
1:11
